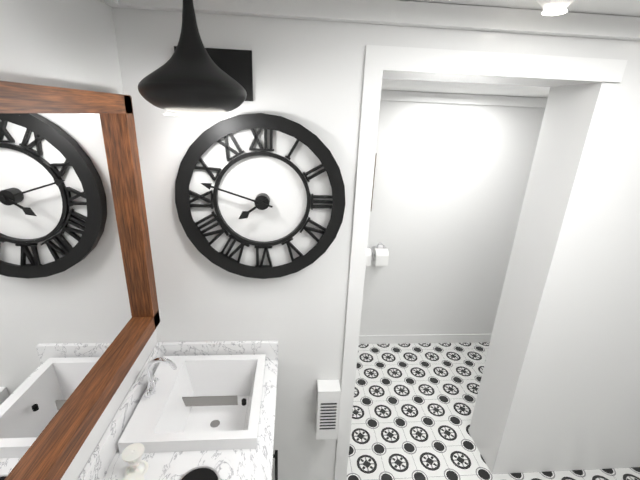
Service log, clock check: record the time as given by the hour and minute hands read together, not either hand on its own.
7:48
